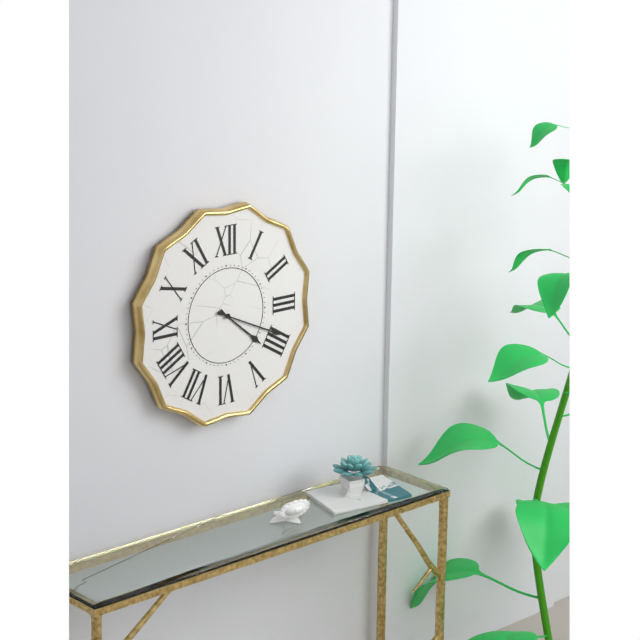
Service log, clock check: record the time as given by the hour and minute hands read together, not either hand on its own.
4:19
